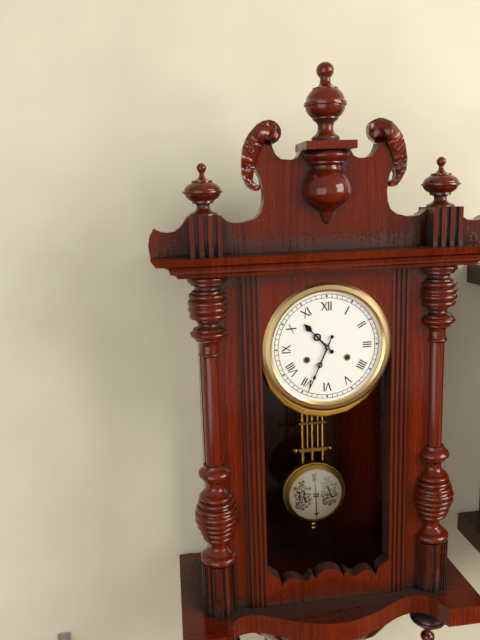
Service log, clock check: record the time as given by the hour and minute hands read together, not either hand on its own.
10:34
